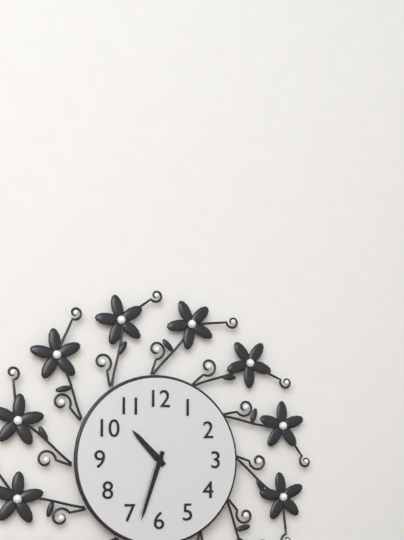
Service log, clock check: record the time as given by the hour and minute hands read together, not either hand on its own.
10:33
